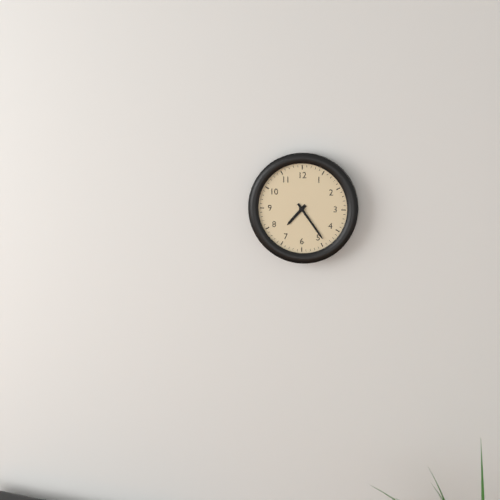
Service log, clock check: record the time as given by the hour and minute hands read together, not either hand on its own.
7:24
